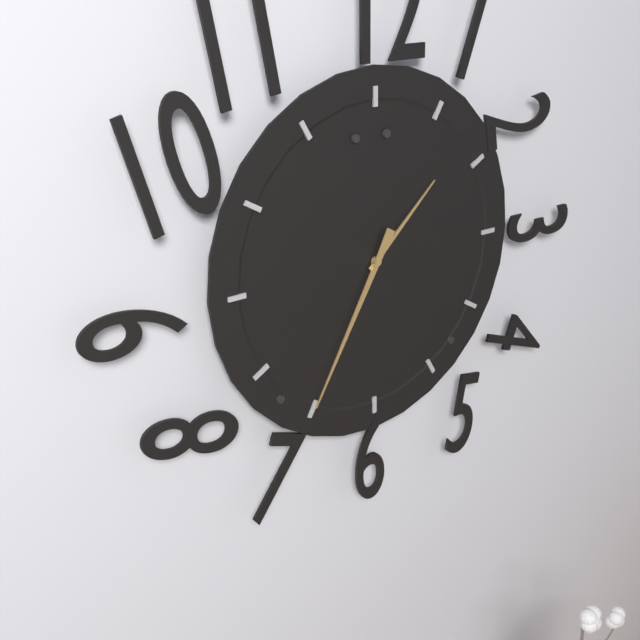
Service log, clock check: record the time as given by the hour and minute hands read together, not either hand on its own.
1:35
